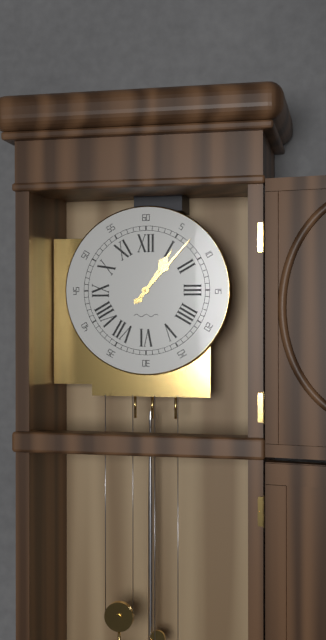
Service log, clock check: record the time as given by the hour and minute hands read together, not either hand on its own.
1:07
